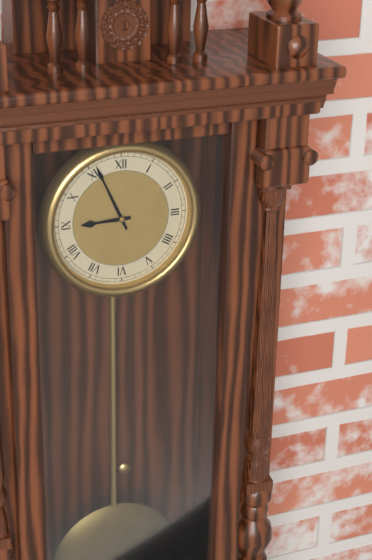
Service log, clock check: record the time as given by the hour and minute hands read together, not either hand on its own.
8:56
